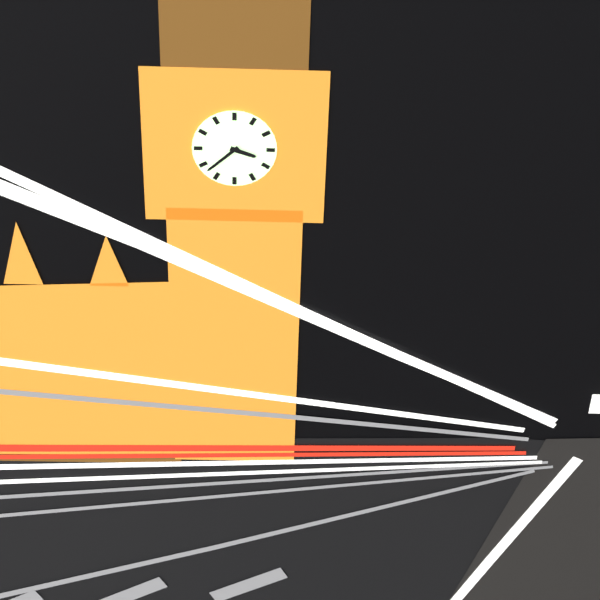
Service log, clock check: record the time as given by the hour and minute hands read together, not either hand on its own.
3:38
